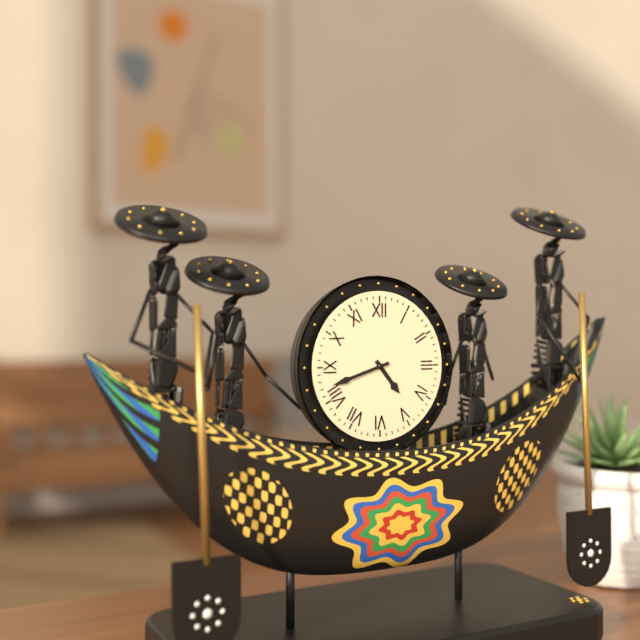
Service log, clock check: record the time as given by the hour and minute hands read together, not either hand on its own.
4:42
